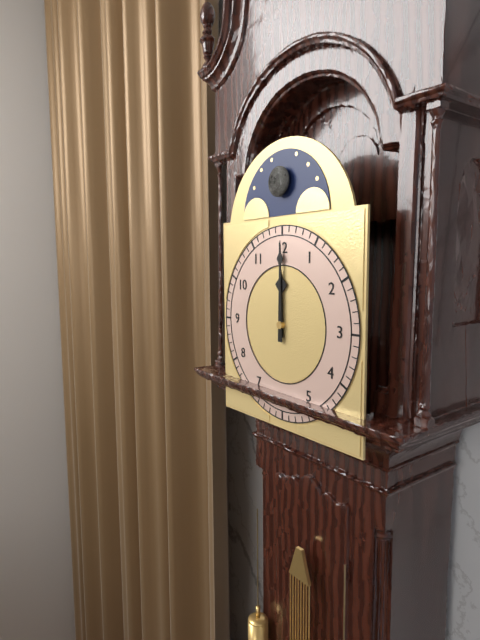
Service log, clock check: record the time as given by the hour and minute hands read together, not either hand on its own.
12:00
